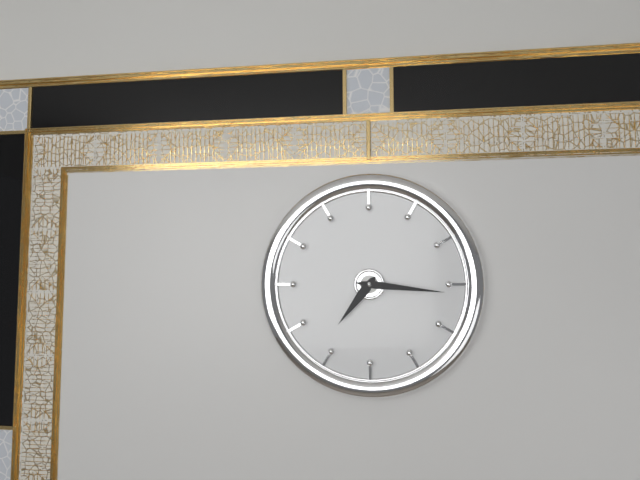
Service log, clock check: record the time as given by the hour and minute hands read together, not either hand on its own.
7:16
